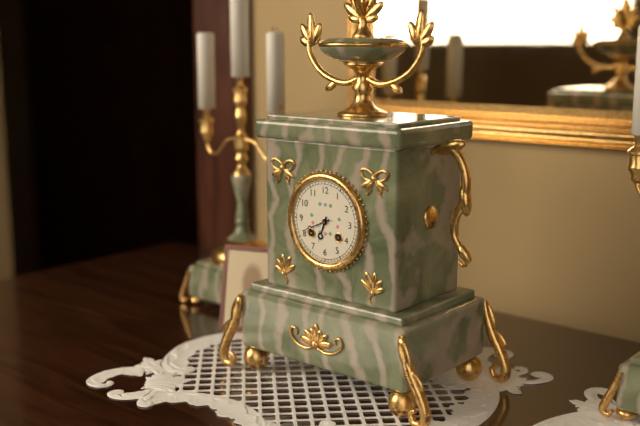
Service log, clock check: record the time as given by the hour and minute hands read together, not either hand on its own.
6:41
